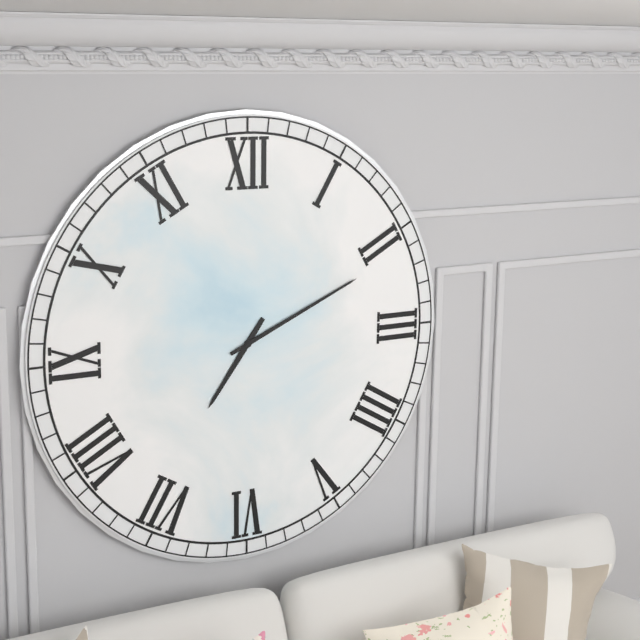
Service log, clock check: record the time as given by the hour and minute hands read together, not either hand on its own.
7:11
